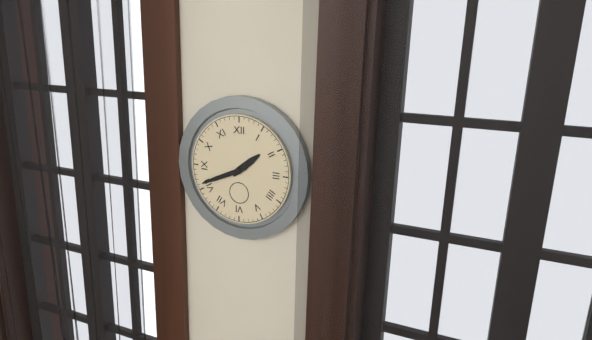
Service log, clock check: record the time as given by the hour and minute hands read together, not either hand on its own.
1:41
